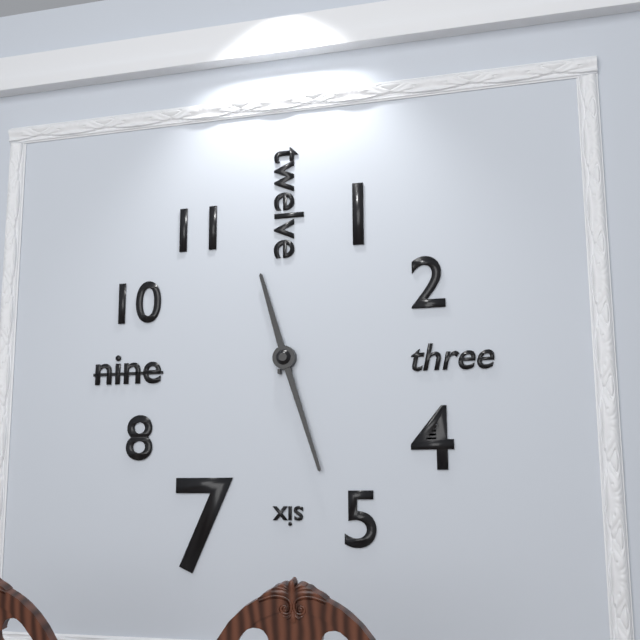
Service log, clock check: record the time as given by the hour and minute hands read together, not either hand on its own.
11:27
